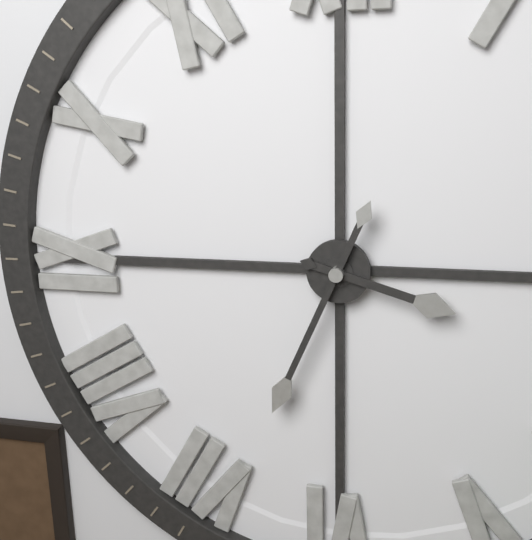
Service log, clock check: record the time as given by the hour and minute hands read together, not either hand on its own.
3:34
